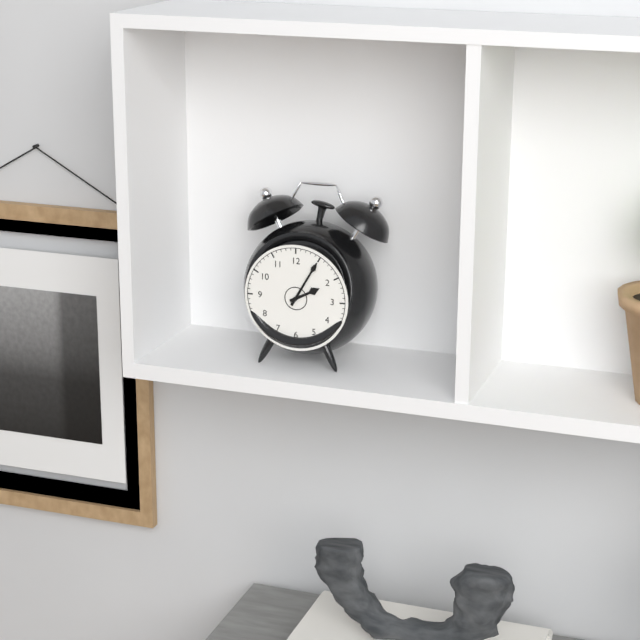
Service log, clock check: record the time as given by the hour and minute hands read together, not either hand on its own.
2:05
